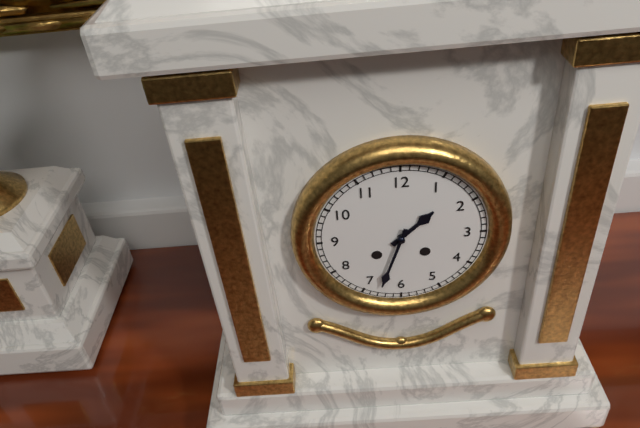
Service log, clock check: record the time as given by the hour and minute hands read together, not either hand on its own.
1:33
